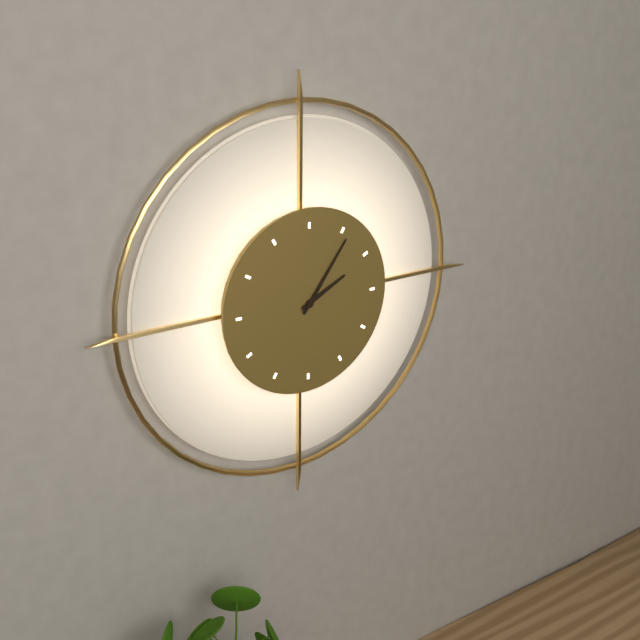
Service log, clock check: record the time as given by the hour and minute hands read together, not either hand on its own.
2:06
